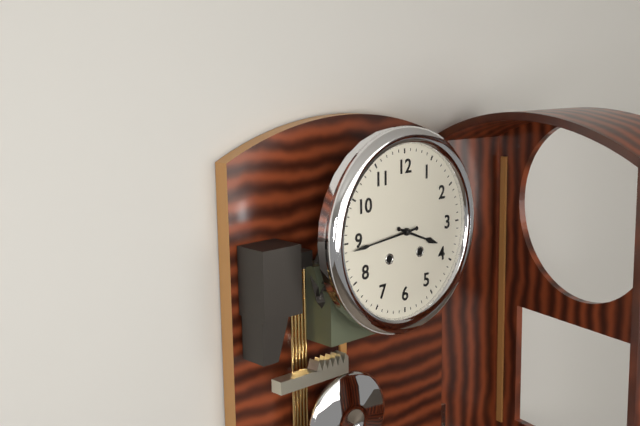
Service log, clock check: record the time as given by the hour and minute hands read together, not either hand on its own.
3:44
